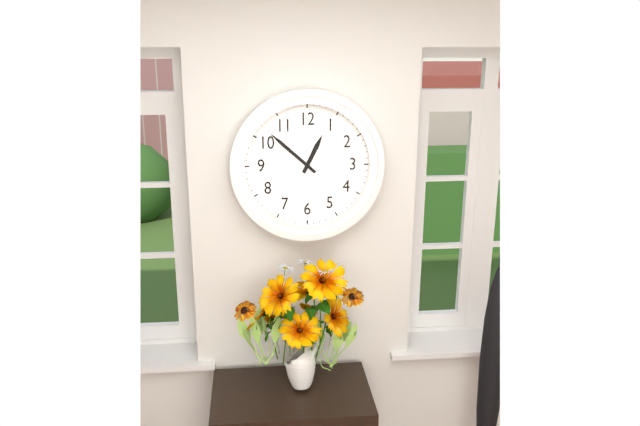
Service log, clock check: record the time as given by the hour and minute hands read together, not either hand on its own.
12:52
